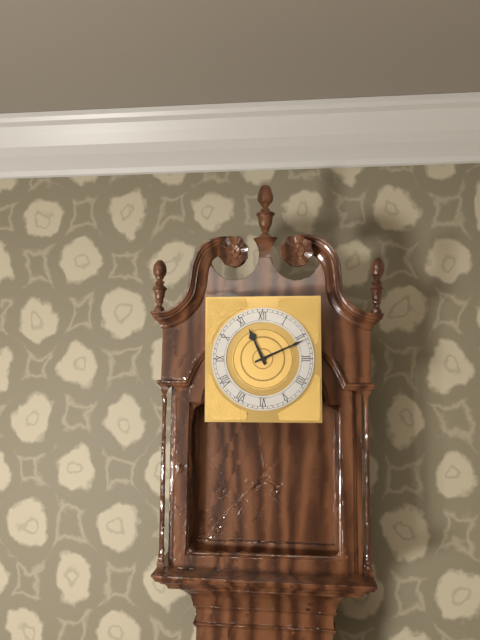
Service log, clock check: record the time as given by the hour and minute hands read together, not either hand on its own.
11:11
